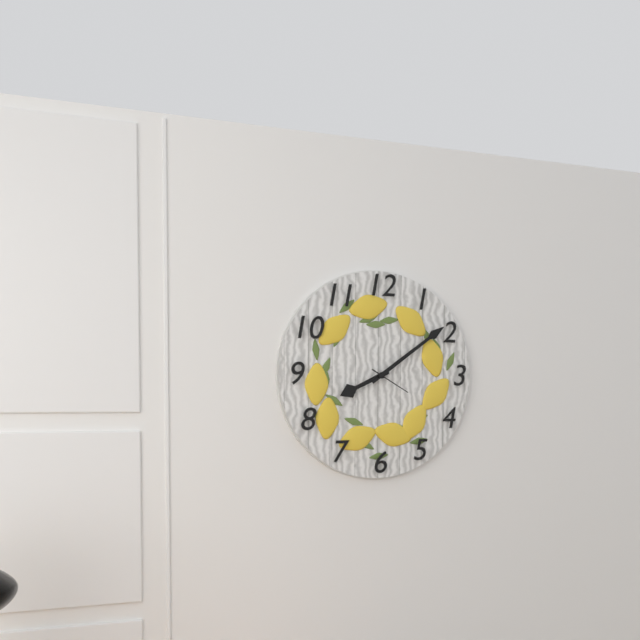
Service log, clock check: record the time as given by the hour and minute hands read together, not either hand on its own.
8:09
